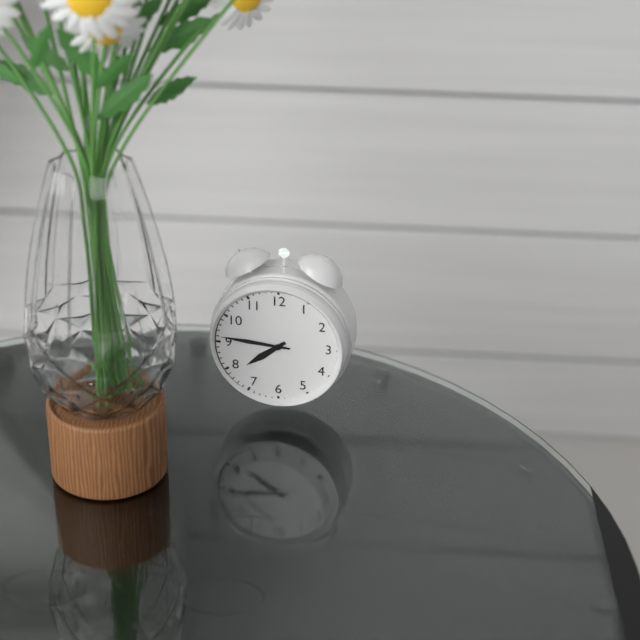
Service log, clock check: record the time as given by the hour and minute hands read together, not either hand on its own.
7:46
